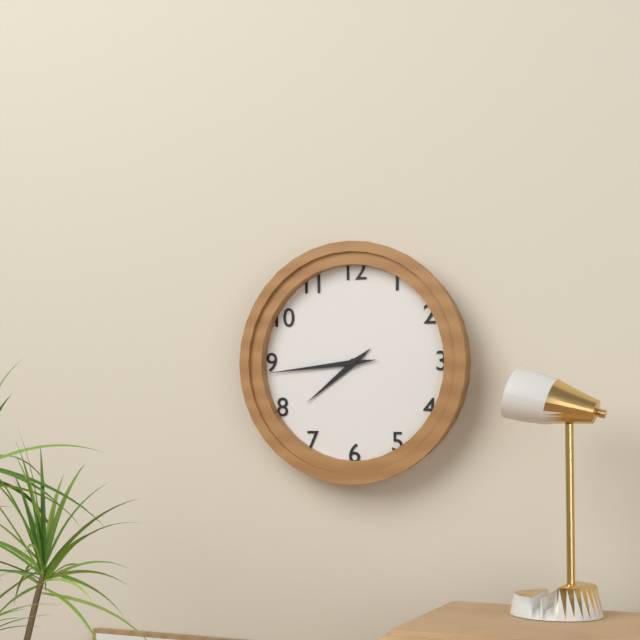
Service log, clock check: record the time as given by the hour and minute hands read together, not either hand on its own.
7:44
